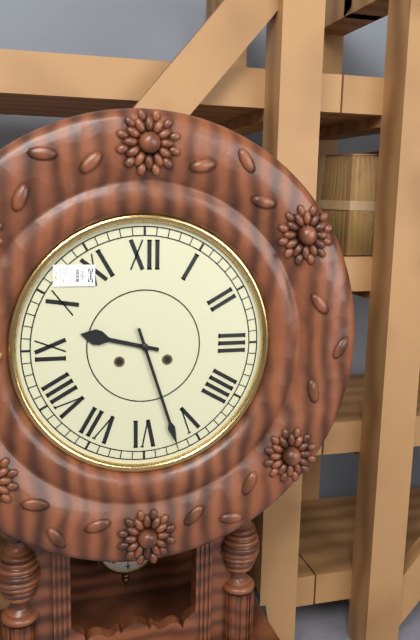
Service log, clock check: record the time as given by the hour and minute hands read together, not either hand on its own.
9:27
